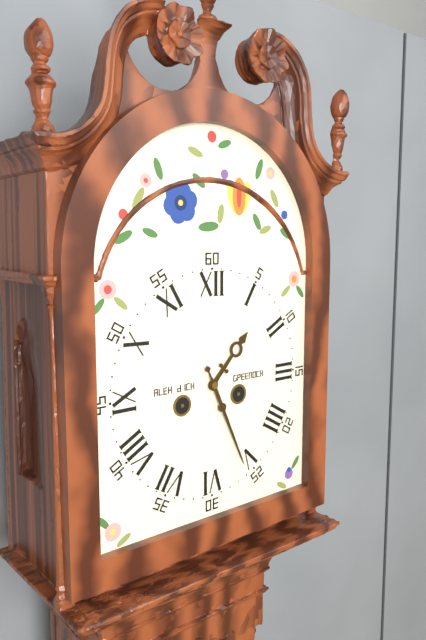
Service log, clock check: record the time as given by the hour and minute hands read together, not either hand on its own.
1:26
